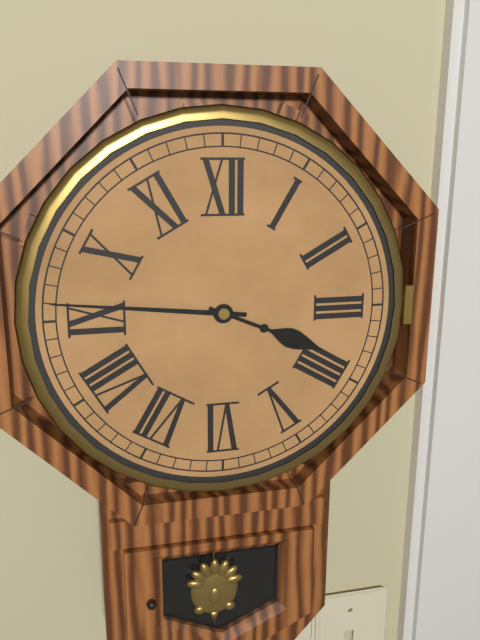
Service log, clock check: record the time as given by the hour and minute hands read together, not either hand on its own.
3:46
